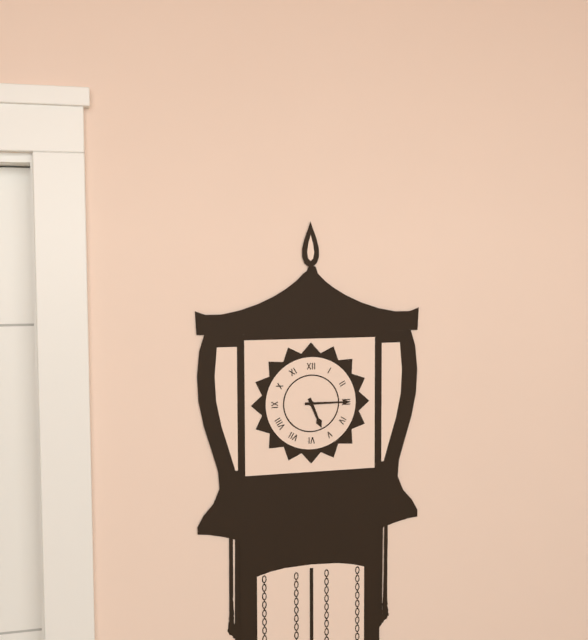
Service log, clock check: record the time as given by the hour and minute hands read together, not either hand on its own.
5:15
